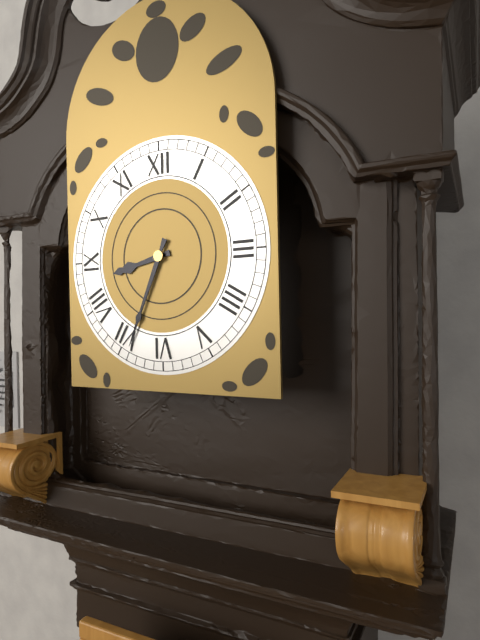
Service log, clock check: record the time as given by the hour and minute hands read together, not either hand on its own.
8:34
